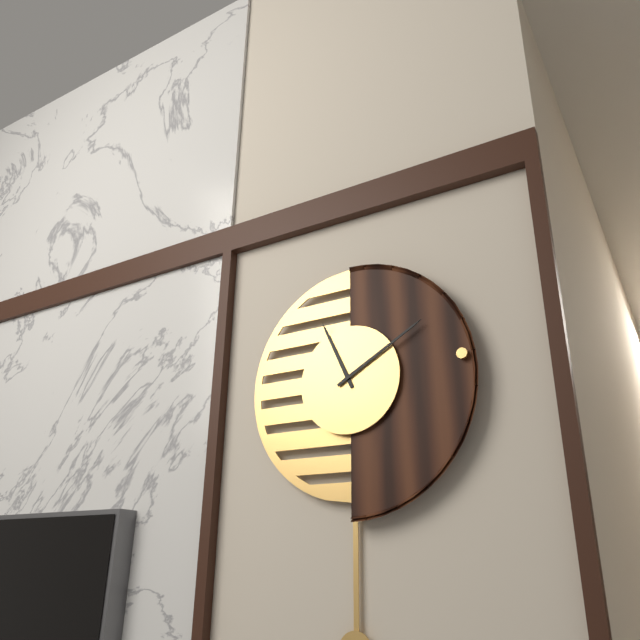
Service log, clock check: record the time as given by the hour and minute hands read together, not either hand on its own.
11:10
